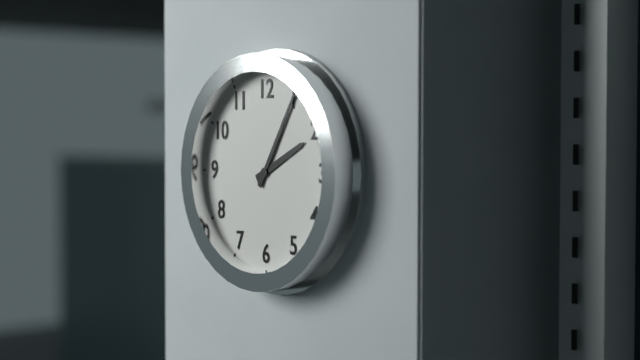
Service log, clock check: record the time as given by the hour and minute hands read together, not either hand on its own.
2:05
